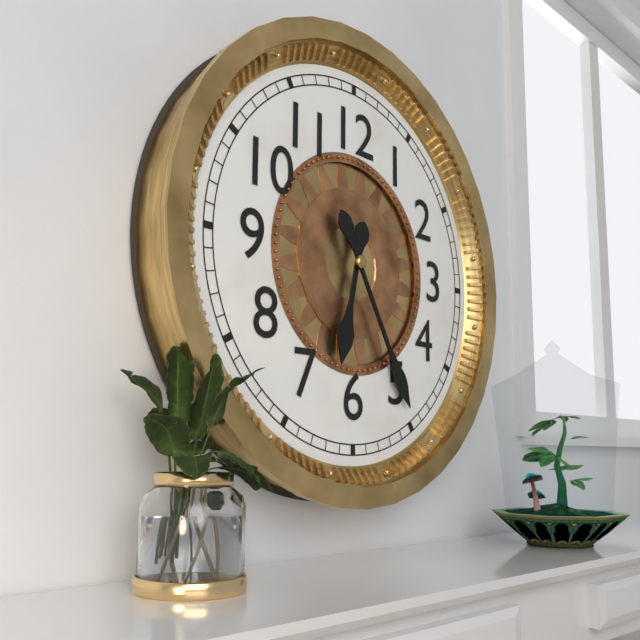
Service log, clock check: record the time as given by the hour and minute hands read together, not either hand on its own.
6:25
